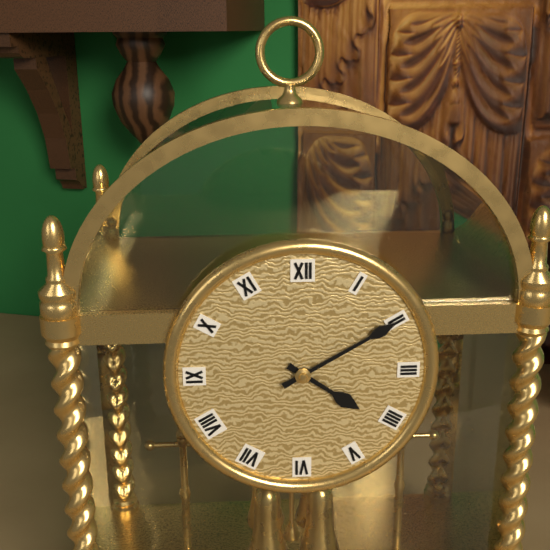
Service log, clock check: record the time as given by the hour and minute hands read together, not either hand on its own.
4:10
